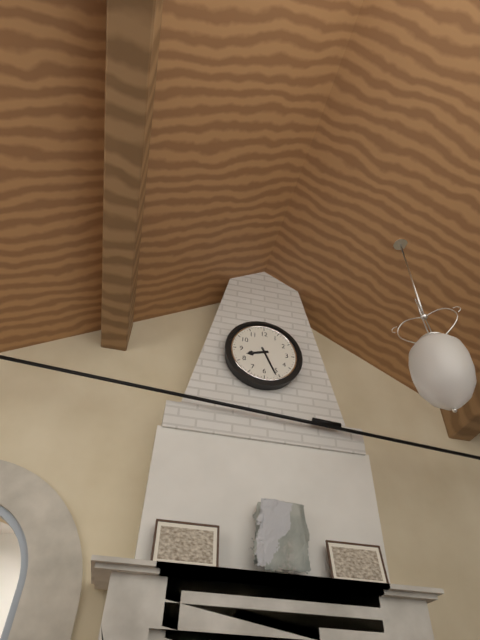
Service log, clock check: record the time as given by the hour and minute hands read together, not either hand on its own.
8:26
